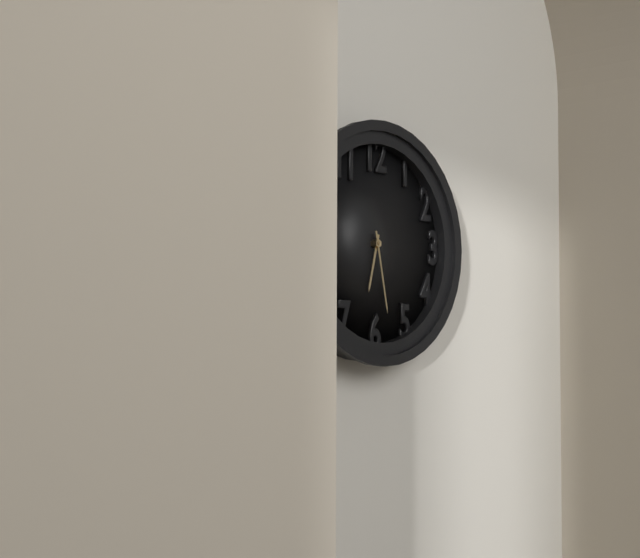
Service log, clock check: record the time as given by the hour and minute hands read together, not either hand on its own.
6:28
